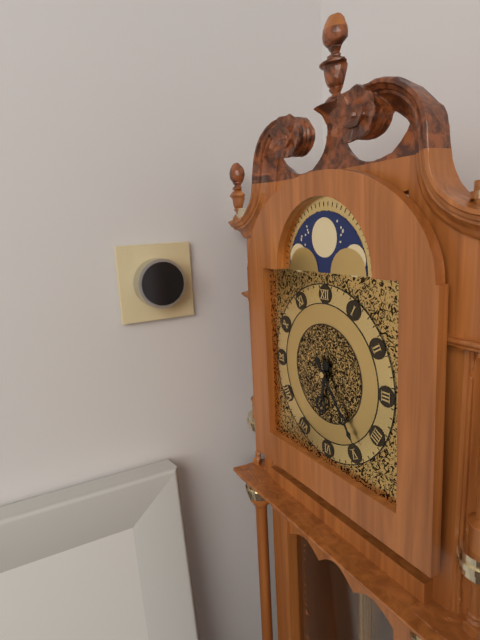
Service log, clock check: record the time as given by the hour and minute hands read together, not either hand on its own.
6:24
